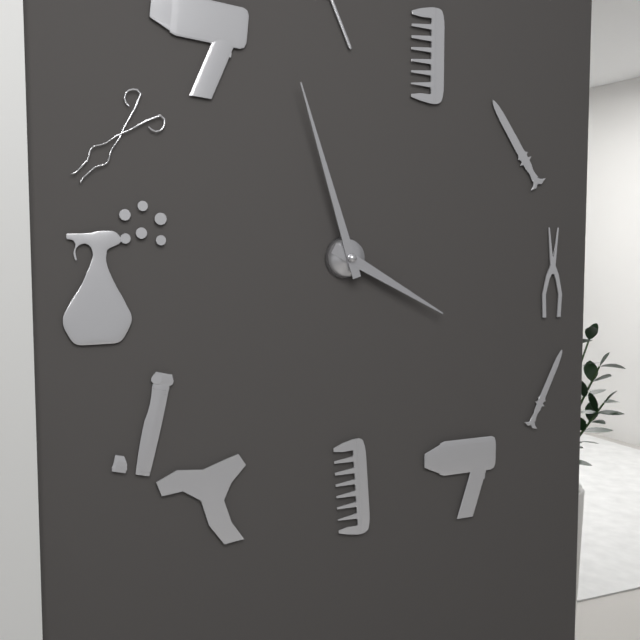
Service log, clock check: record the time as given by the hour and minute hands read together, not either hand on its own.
3:57
